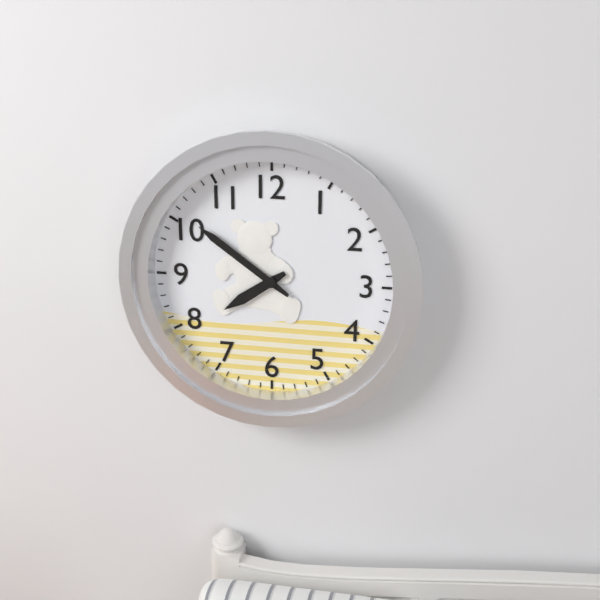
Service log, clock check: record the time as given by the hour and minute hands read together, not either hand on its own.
7:51
